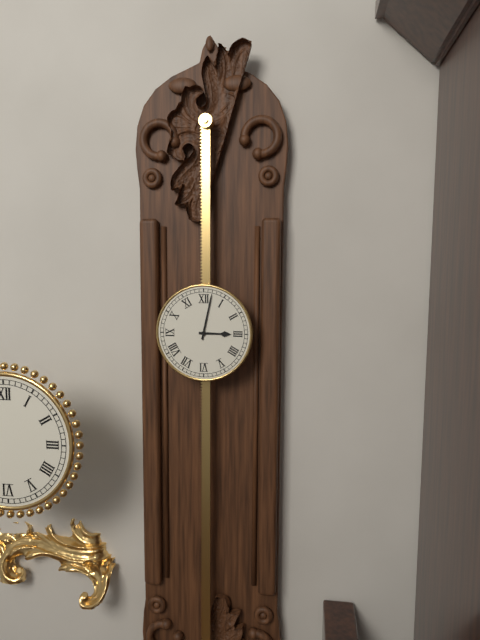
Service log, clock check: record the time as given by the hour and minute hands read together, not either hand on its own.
3:02
